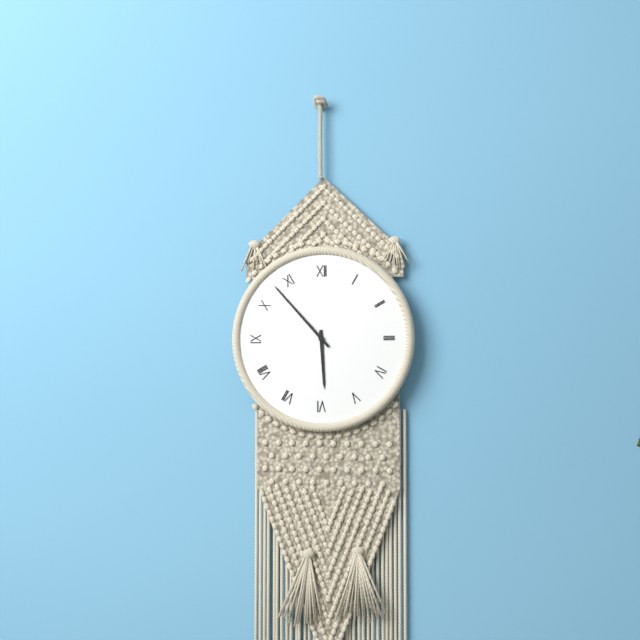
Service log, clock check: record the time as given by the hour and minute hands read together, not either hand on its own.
5:53
